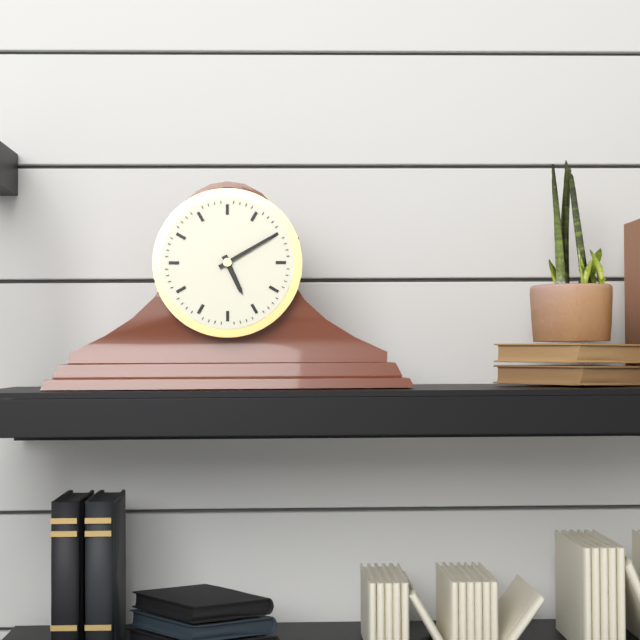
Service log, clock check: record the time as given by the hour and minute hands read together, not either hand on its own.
5:10
